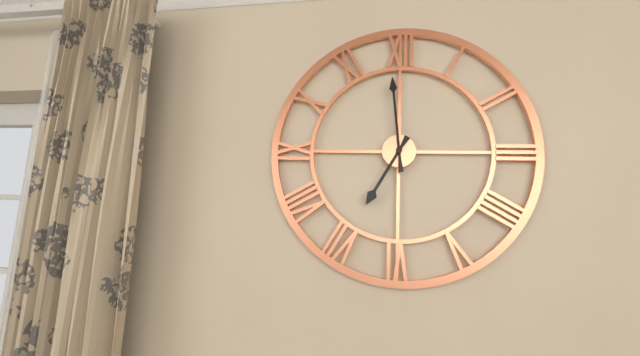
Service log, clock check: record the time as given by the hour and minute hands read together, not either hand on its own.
6:59
